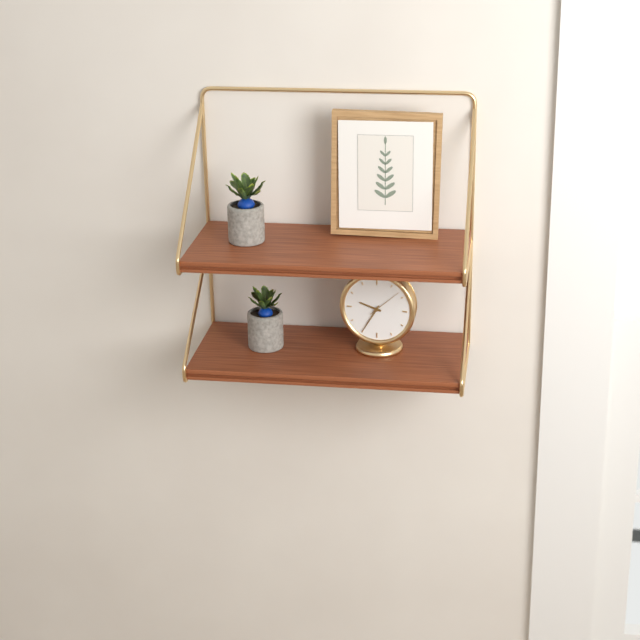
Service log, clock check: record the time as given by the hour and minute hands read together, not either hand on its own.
9:35
